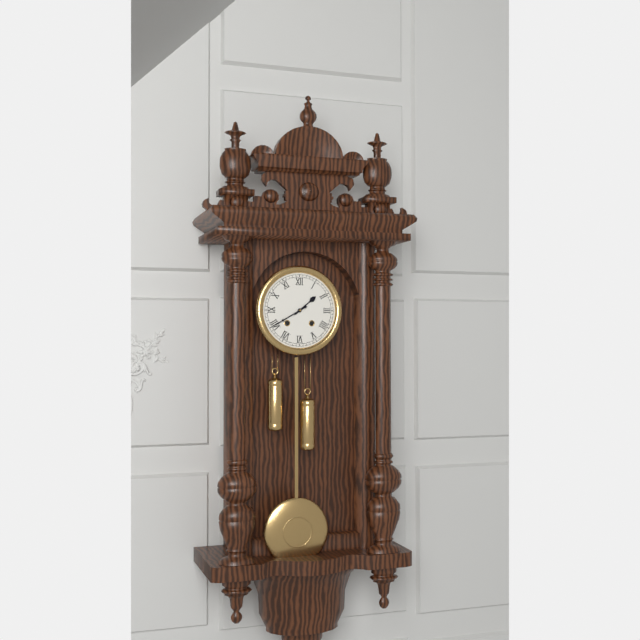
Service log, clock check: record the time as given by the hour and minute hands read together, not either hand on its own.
1:40
